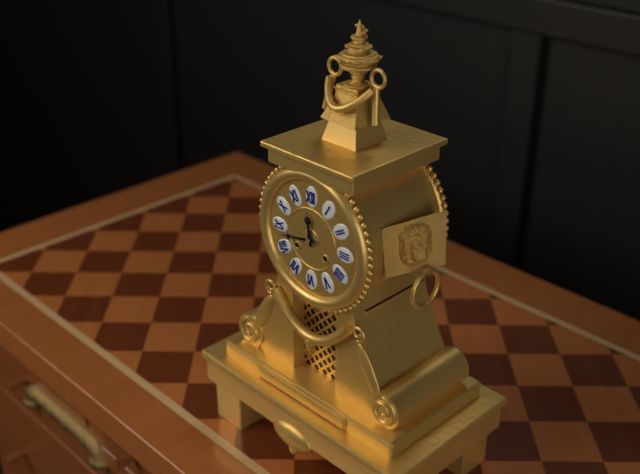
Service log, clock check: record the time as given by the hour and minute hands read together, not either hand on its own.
11:43
